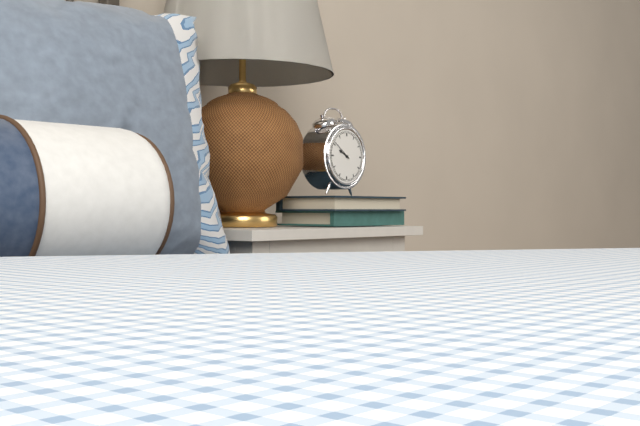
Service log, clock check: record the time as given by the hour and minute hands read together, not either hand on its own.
9:51
